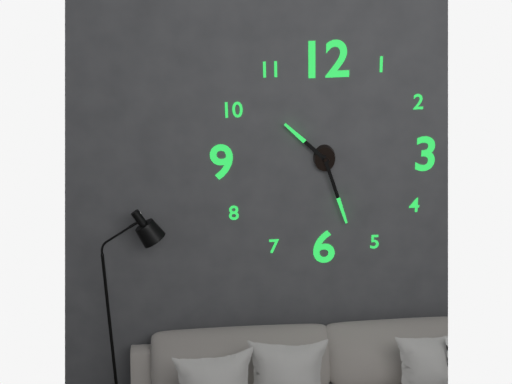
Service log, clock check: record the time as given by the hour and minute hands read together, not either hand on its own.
10:27
